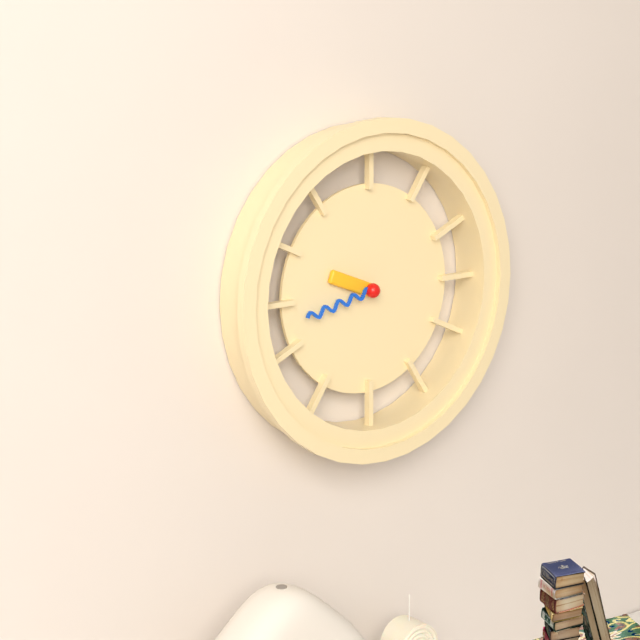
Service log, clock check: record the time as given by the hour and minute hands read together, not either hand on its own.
9:43
